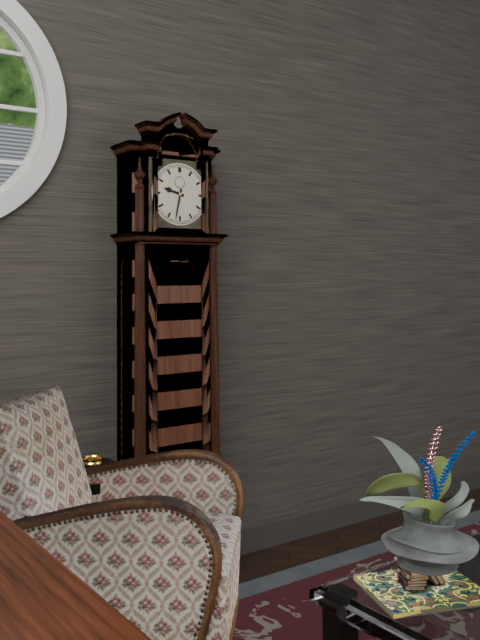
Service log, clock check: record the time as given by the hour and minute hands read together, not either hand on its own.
9:32
